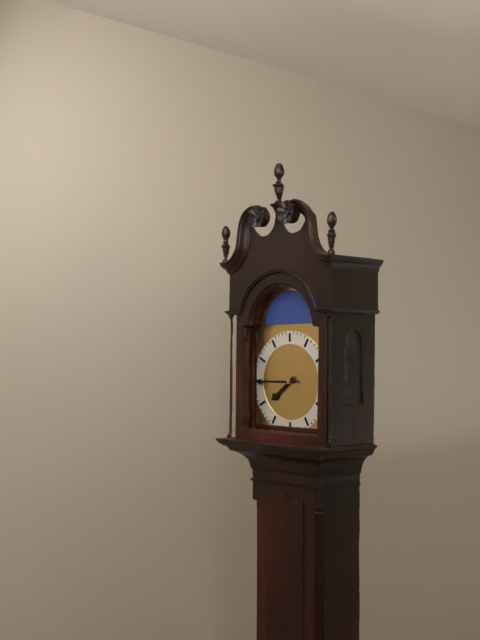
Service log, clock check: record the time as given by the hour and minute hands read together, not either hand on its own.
7:45
